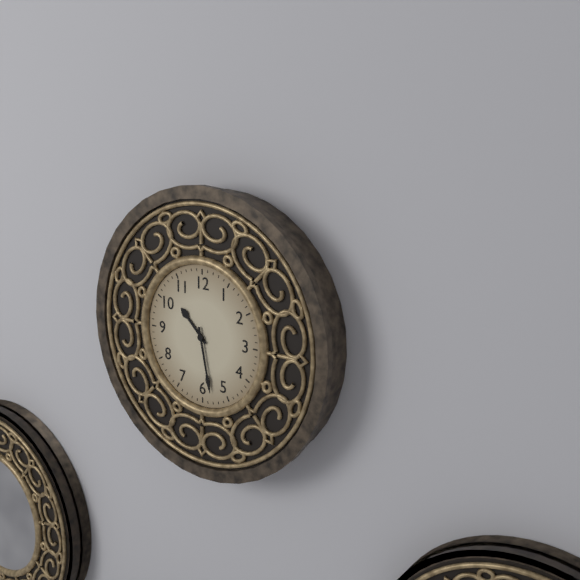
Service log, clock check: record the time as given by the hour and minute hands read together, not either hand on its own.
10:28
